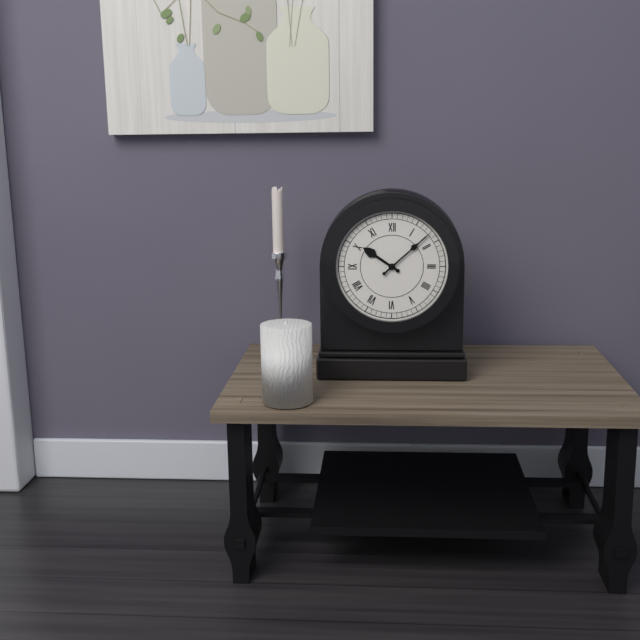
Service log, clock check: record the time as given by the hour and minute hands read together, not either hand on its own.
10:08
